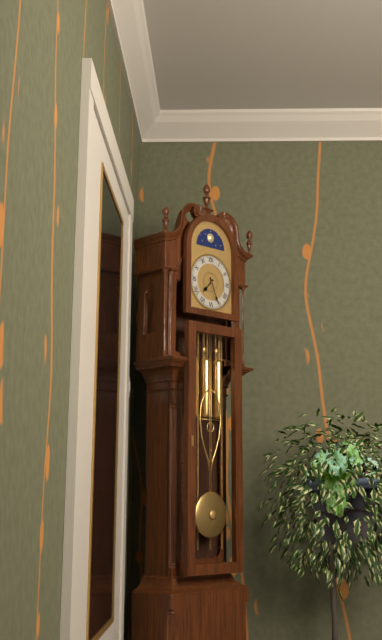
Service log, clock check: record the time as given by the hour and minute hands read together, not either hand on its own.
7:26
